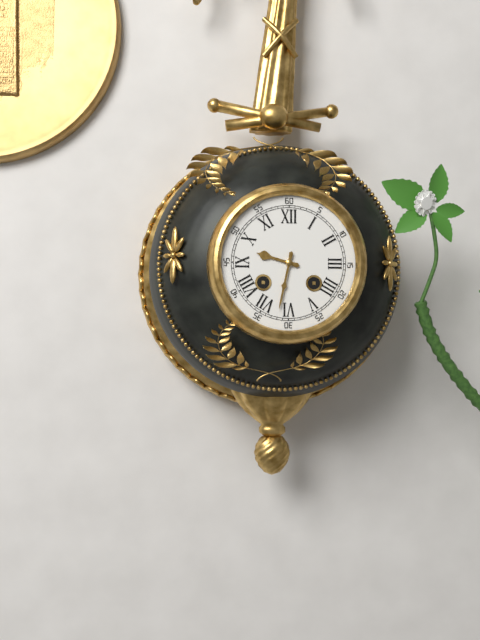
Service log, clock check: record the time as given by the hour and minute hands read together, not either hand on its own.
9:32
